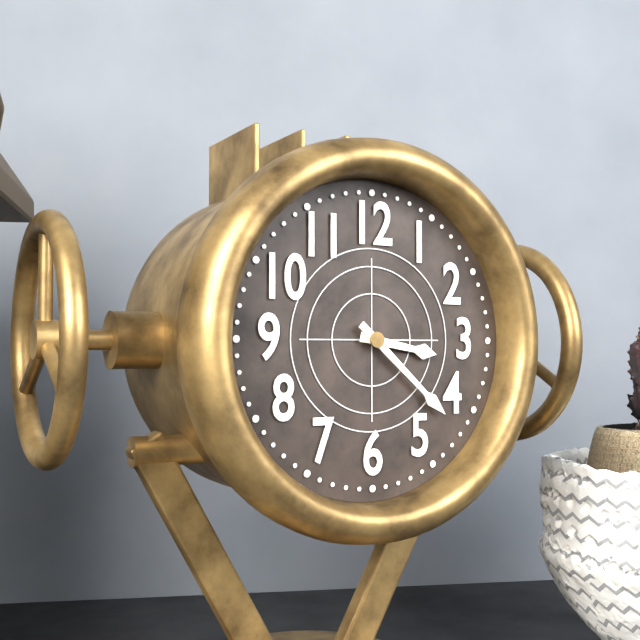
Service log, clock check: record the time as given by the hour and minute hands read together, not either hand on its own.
3:22
